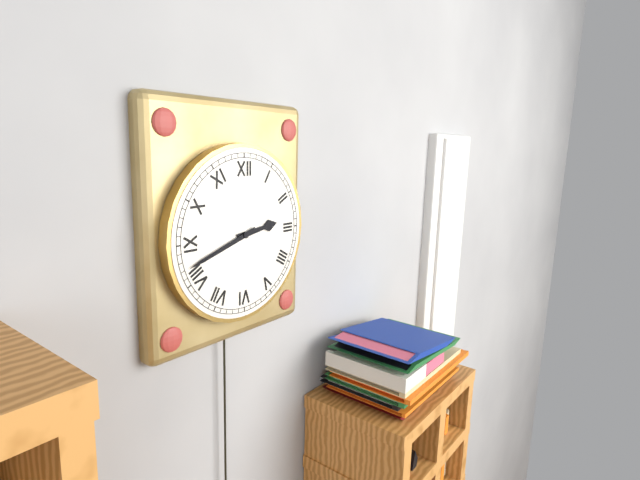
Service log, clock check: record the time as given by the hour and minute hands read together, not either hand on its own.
2:42
